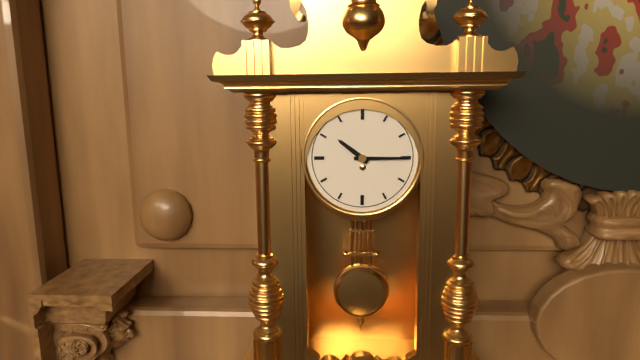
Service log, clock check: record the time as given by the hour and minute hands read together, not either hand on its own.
10:15
